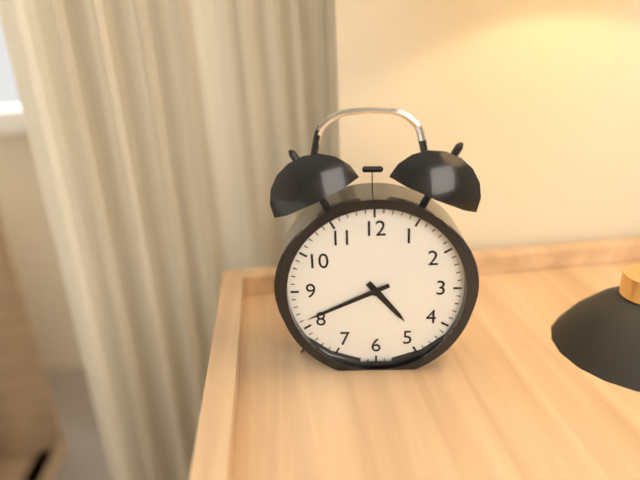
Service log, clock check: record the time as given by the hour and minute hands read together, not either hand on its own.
4:41
